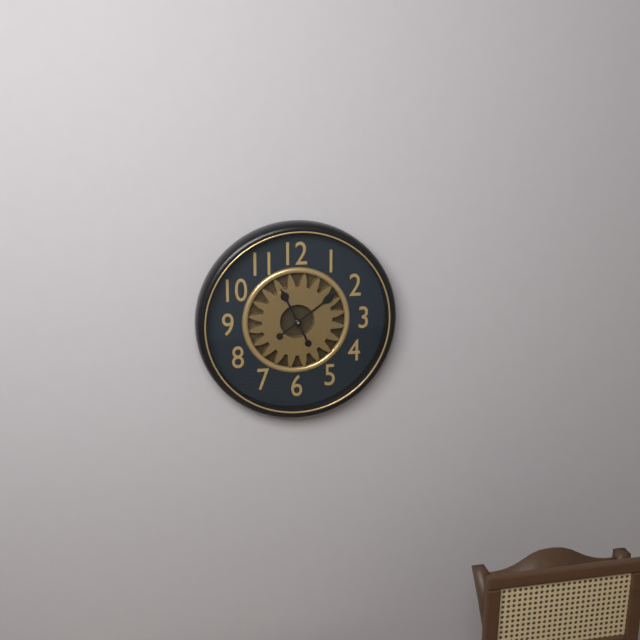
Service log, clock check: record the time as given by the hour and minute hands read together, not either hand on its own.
11:09
